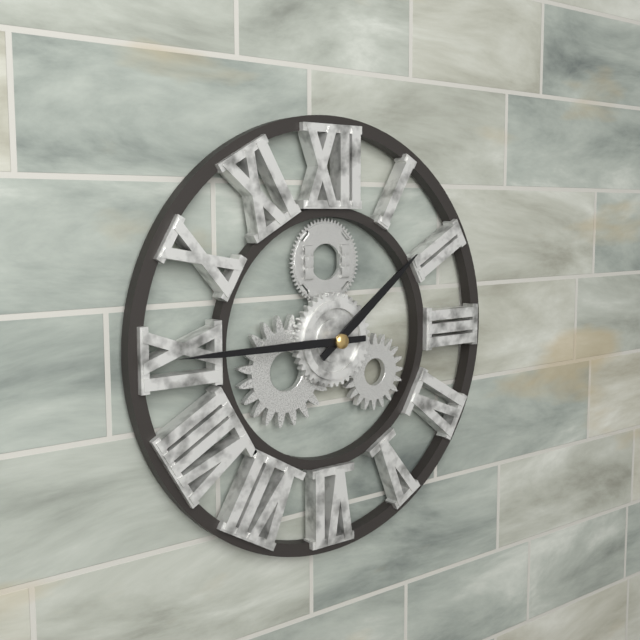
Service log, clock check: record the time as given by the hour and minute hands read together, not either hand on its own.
1:45
